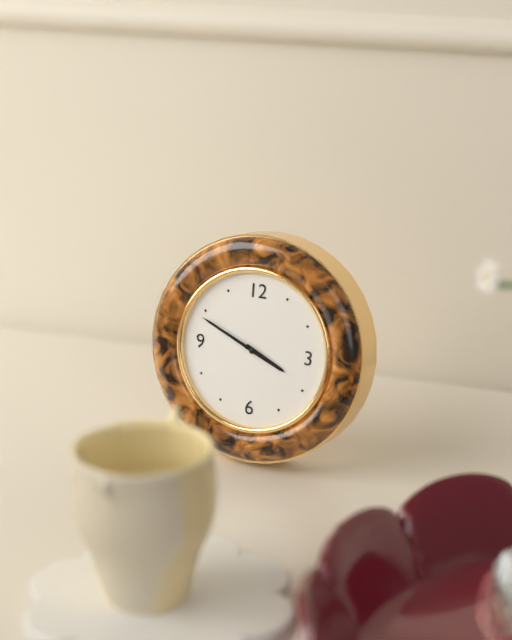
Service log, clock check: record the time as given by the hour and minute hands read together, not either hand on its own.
3:49
